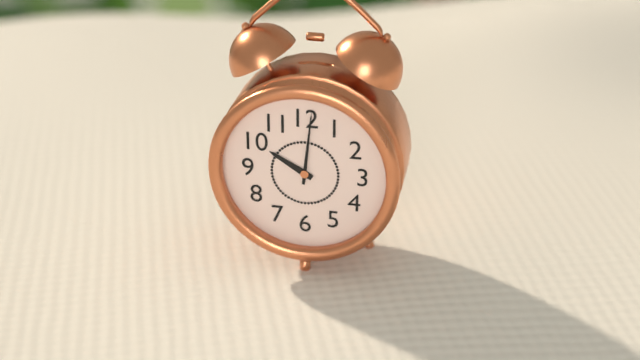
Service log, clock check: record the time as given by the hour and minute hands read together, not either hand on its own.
10:01
